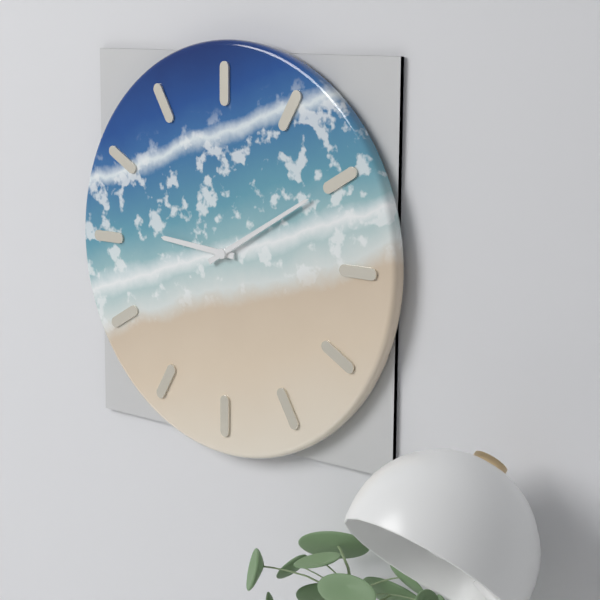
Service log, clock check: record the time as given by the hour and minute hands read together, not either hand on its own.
9:10
